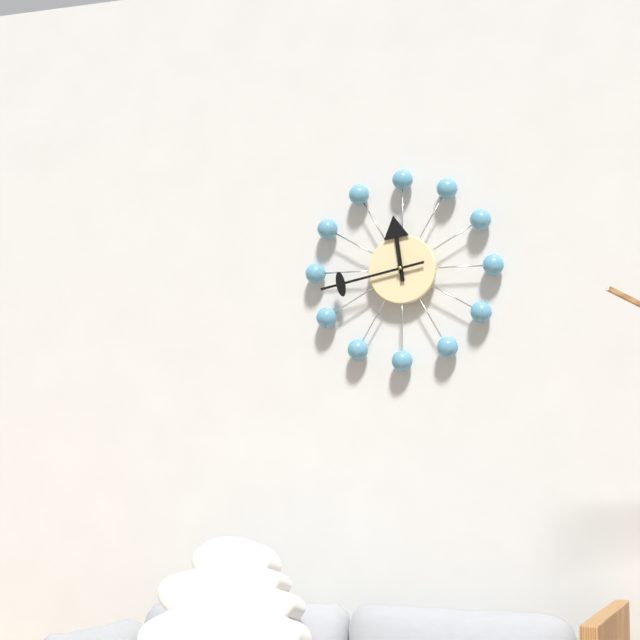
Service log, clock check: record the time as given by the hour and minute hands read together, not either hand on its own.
11:43
